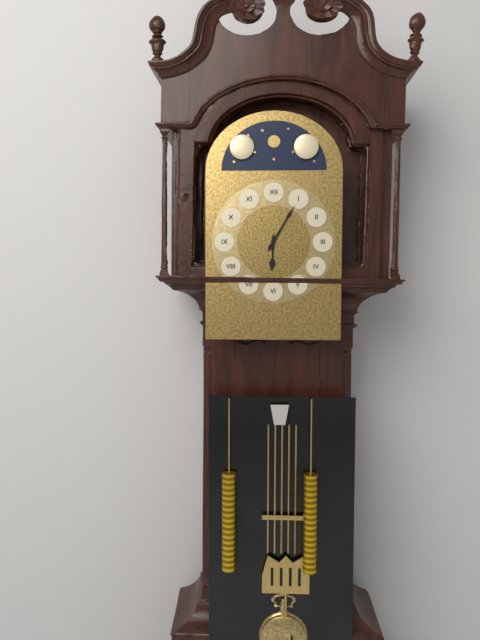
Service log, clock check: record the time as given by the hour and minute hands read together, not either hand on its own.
6:05
